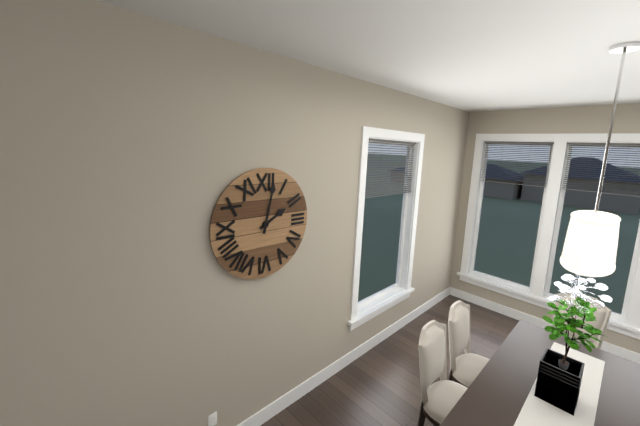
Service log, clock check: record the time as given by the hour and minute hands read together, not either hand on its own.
2:02
